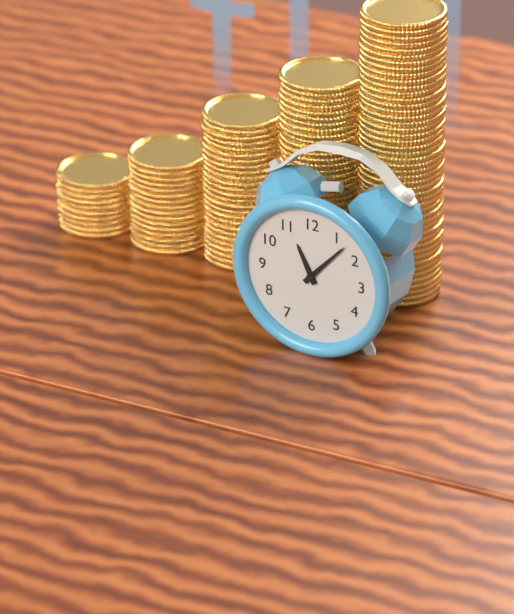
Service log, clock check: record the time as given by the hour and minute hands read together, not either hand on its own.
11:07
